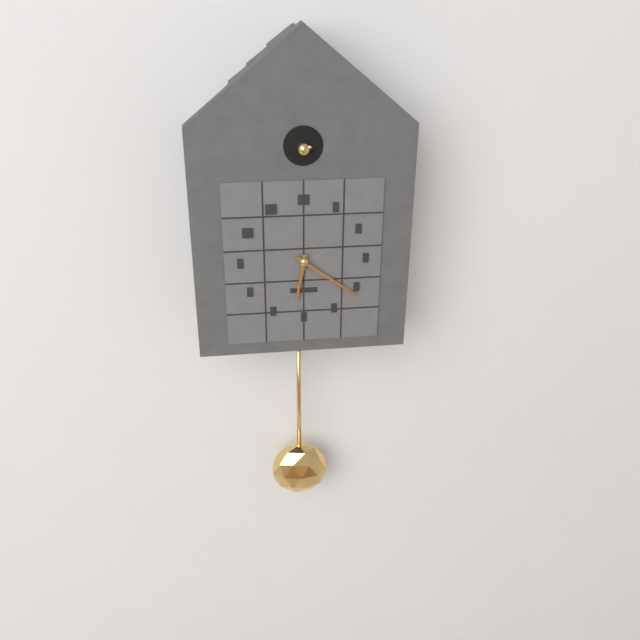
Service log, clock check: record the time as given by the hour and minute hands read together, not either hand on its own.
6:21
